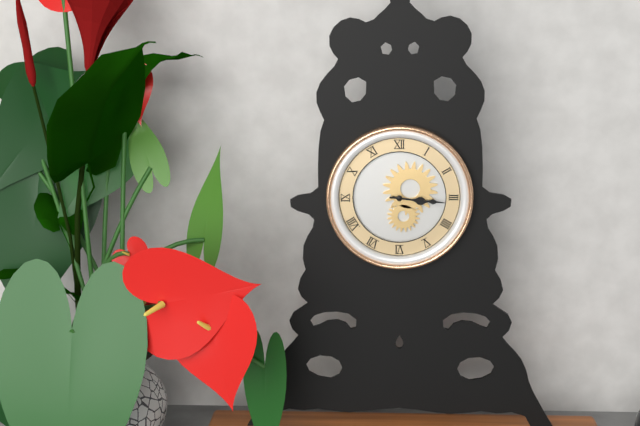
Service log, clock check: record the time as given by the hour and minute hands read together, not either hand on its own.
3:16
